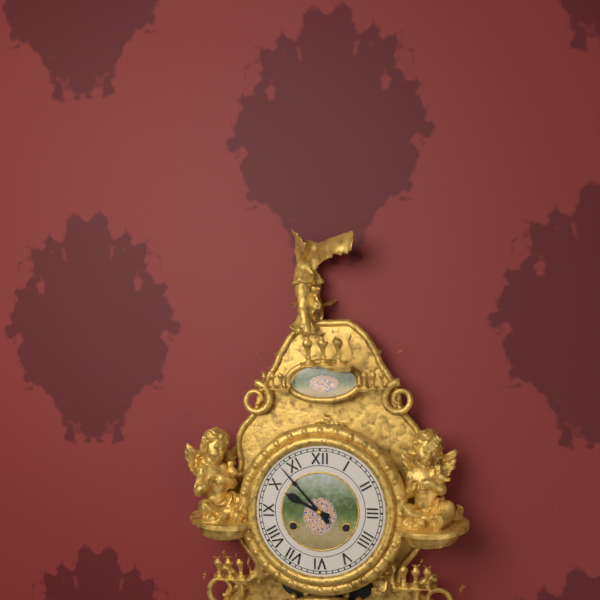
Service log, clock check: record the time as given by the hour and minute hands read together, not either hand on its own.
9:53
